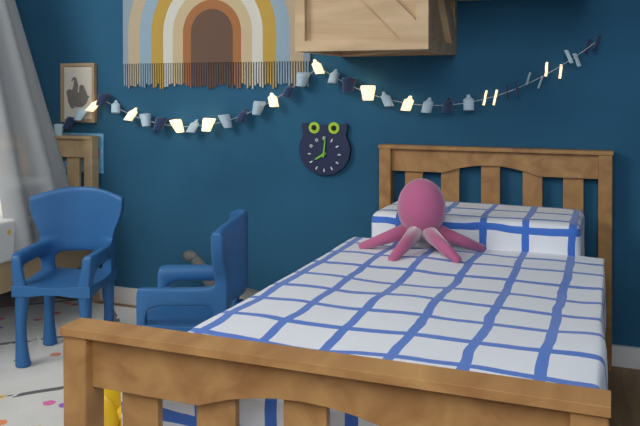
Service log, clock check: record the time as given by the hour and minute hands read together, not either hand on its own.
8:01
